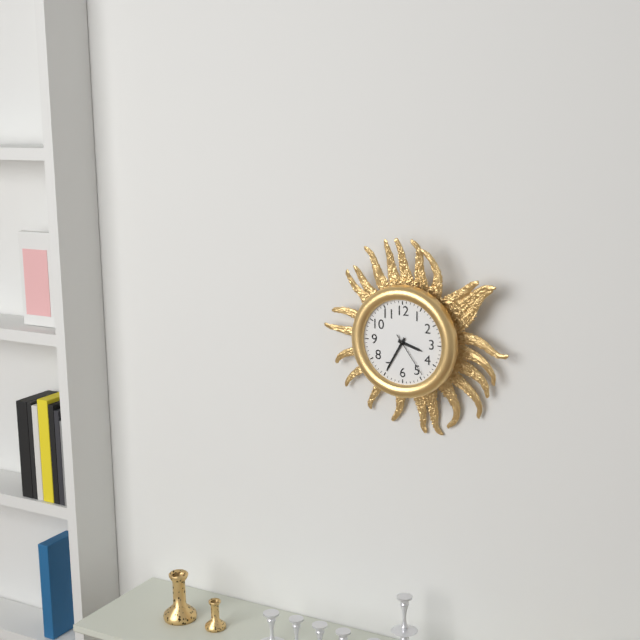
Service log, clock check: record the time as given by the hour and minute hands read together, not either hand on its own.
3:35
